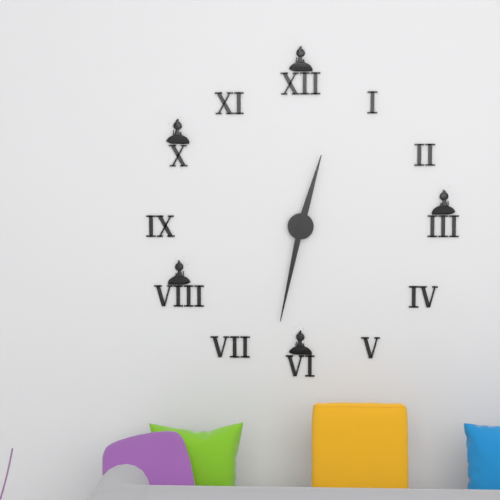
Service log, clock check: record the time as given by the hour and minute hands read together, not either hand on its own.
12:32
